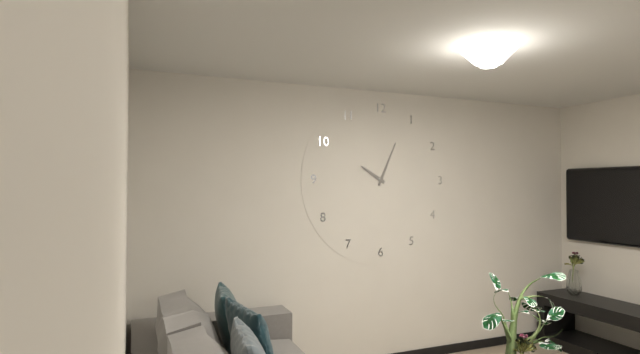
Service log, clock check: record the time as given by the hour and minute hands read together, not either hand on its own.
10:04
